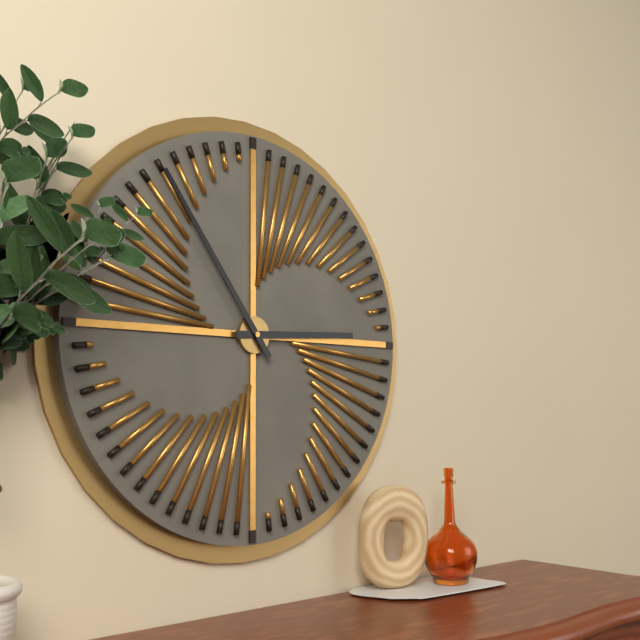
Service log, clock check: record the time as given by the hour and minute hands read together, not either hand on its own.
2:54
